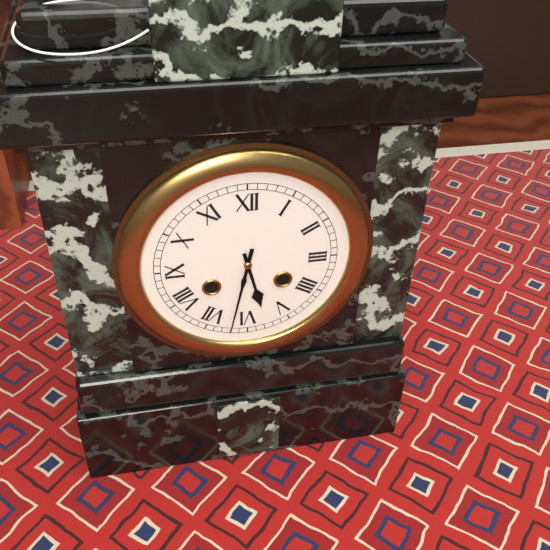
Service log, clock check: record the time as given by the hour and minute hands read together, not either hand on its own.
5:32
